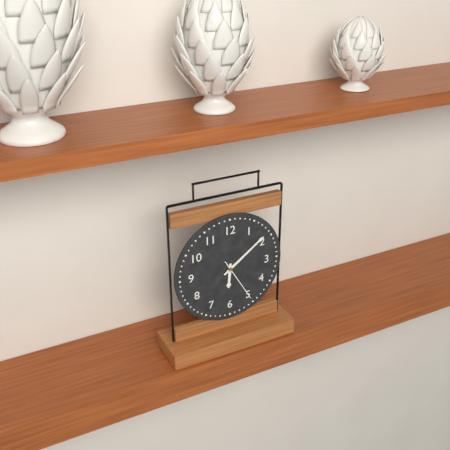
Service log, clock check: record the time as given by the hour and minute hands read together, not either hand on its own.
6:09
